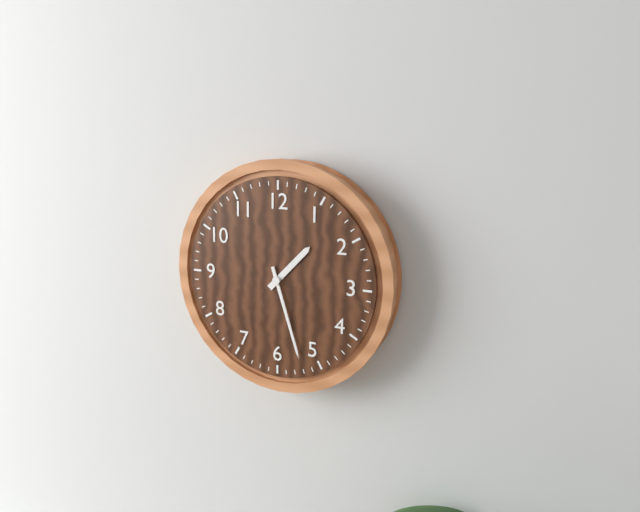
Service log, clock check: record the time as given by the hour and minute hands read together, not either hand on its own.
1:27
